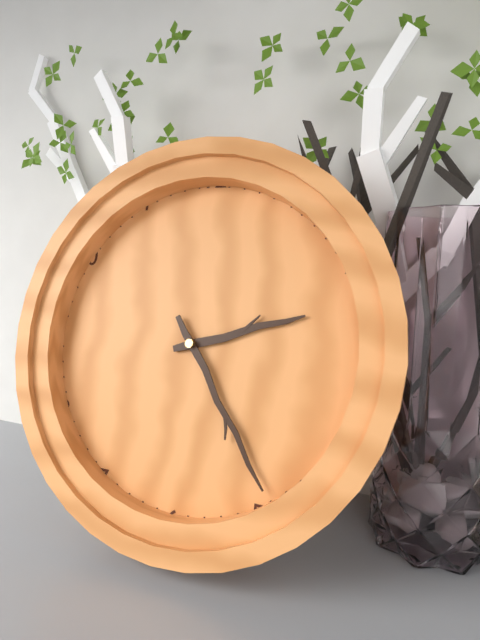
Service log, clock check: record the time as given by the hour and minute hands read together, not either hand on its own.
2:24
